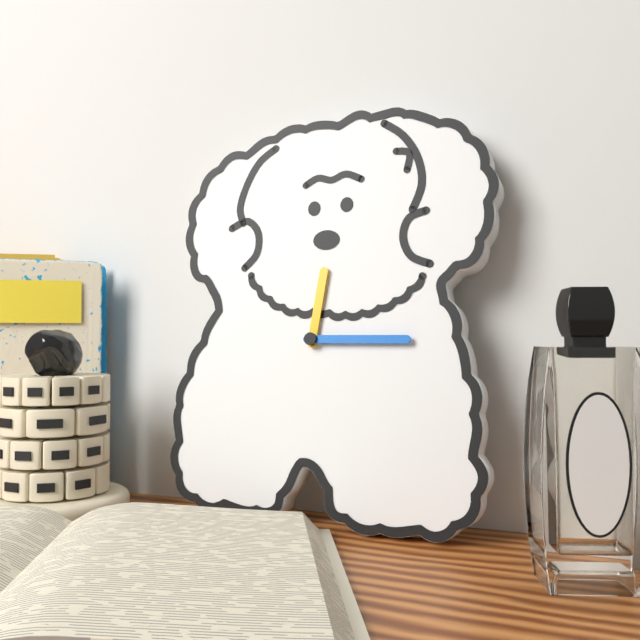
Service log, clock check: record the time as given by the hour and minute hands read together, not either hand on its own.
12:15
